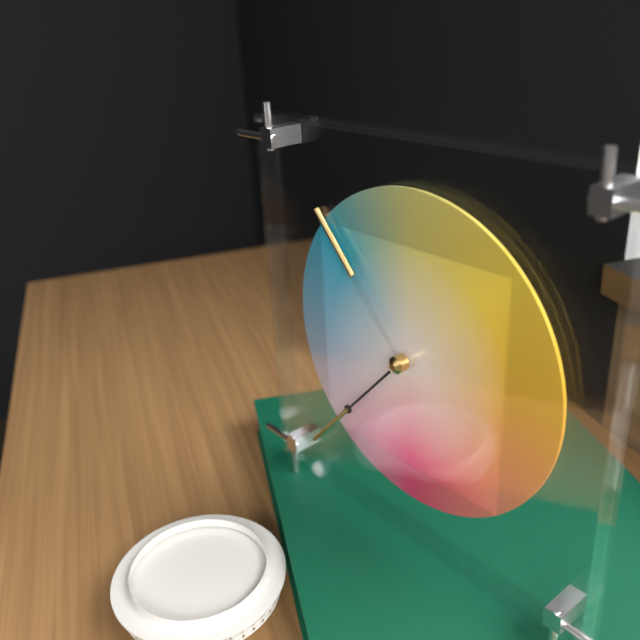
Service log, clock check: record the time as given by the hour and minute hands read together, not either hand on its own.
10:37
